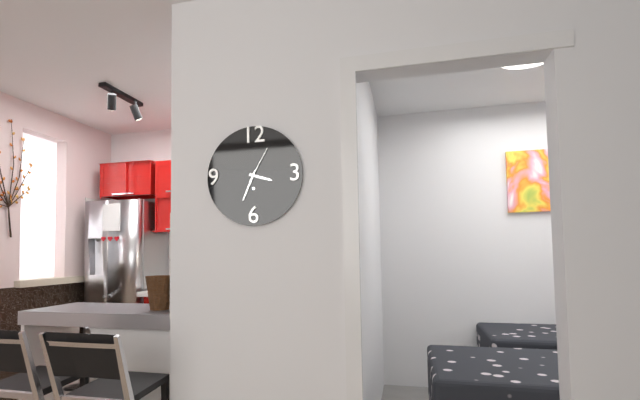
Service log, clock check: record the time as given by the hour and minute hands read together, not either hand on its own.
3:34
